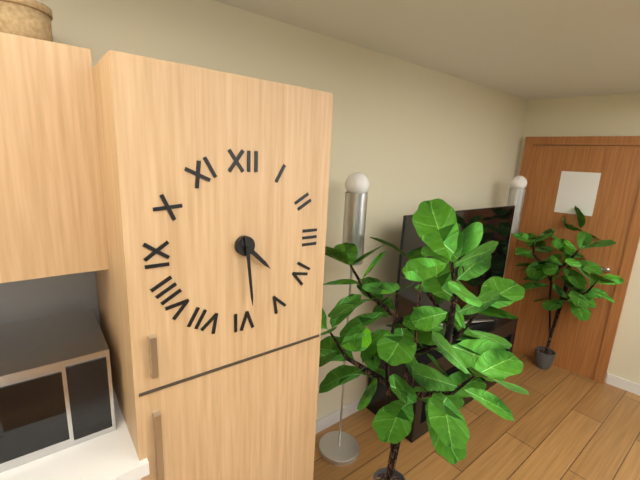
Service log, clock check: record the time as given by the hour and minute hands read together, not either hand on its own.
4:29
